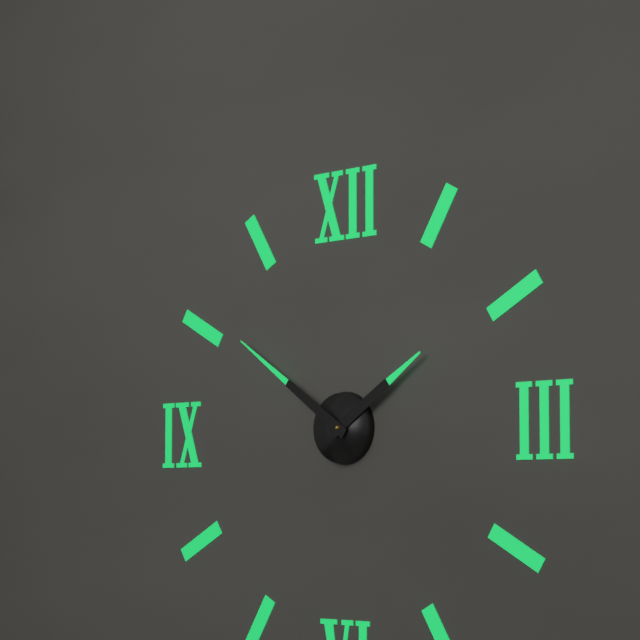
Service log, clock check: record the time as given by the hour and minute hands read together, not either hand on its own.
1:51
